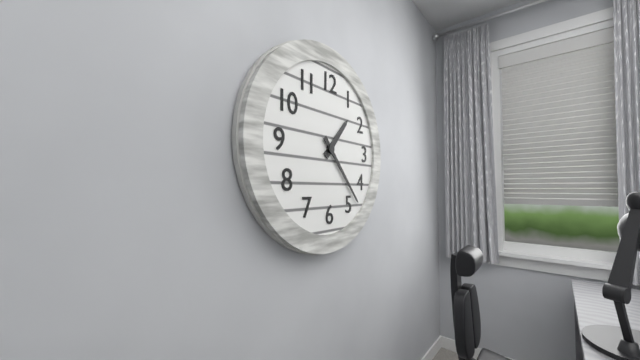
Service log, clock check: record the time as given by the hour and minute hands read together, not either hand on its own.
1:23
